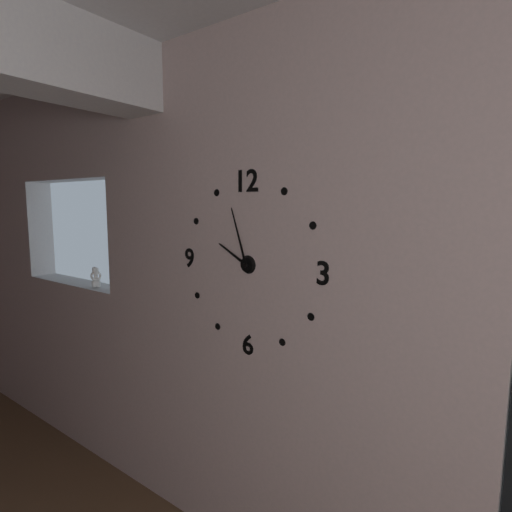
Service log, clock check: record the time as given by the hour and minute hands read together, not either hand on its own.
9:57
